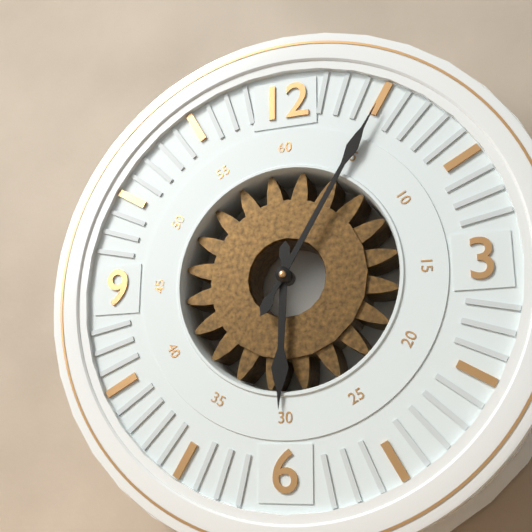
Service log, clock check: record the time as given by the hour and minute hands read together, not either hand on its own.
6:05
